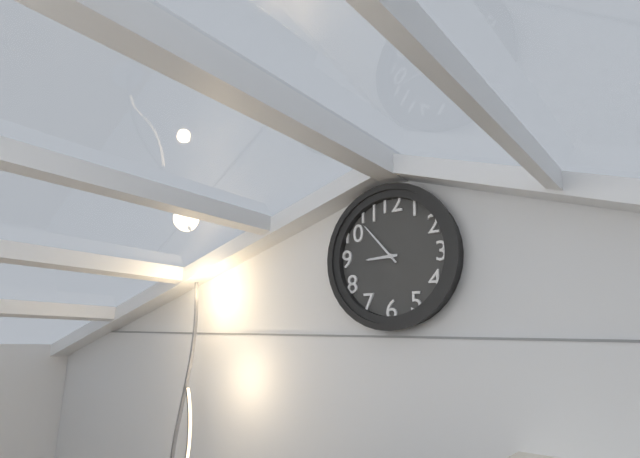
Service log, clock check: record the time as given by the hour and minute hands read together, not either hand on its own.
8:53
